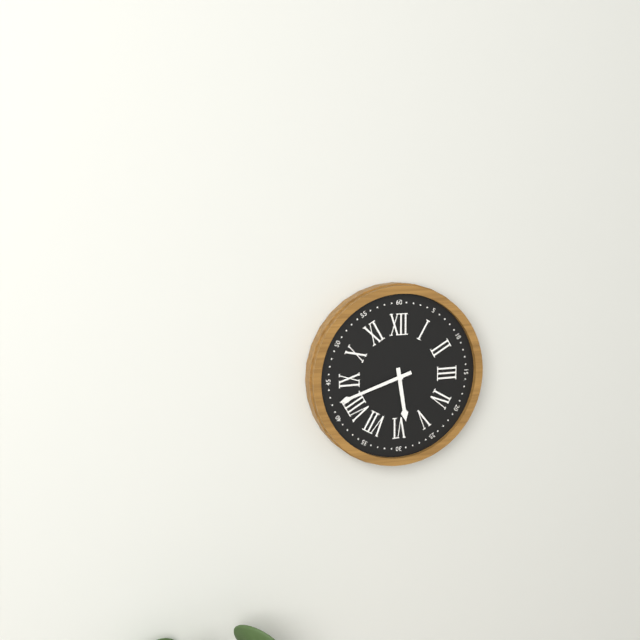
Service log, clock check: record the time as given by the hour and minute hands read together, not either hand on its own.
5:42
